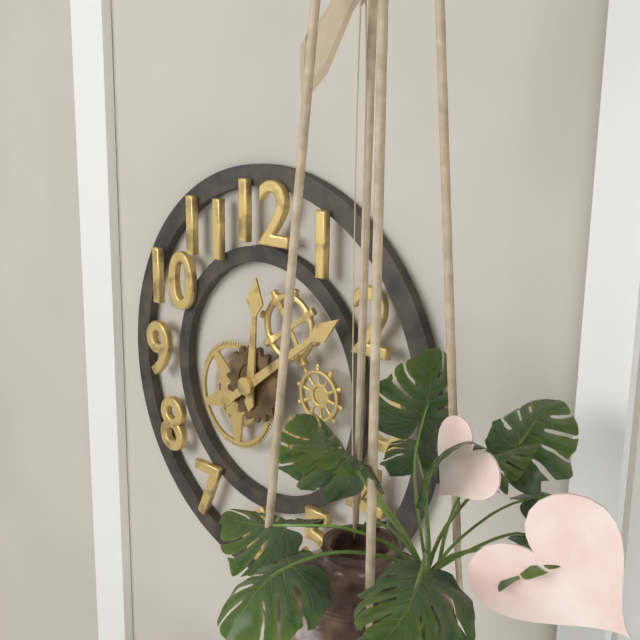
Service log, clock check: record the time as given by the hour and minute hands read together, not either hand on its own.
12:09
